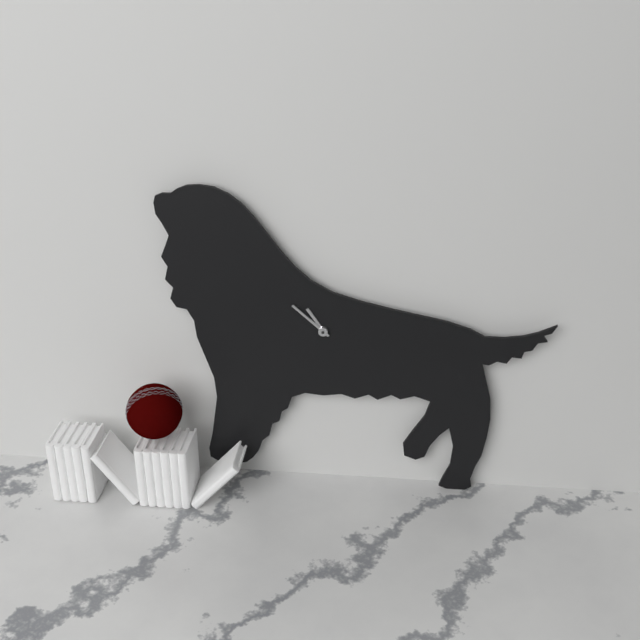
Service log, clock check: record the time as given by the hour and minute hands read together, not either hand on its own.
10:52
